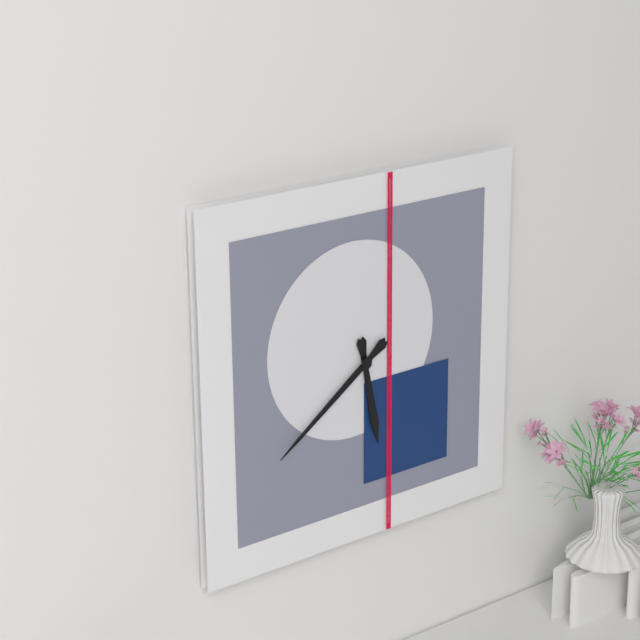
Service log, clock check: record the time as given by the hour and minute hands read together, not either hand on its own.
5:39
